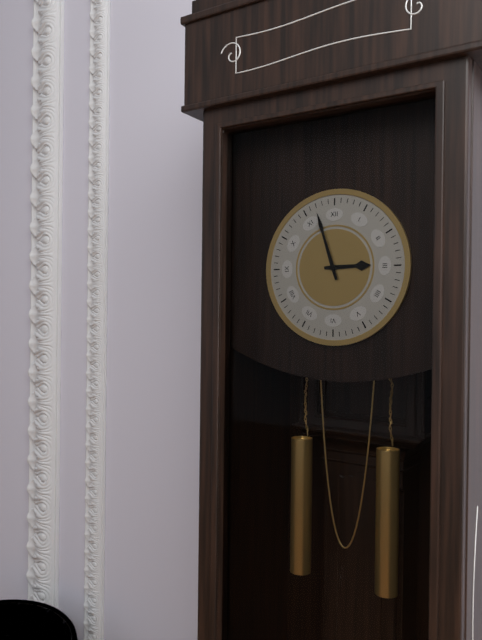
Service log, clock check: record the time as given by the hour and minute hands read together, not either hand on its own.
2:57
